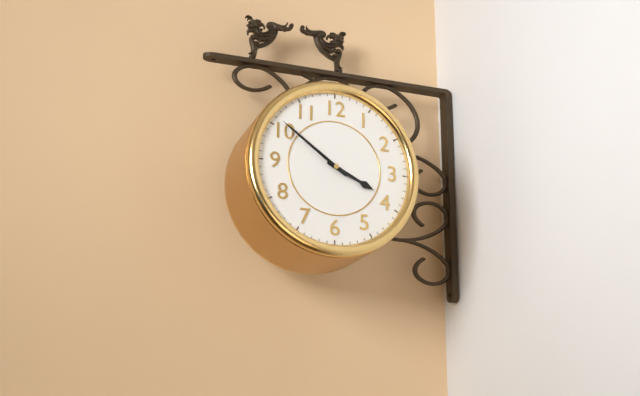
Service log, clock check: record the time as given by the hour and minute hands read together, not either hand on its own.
3:51
